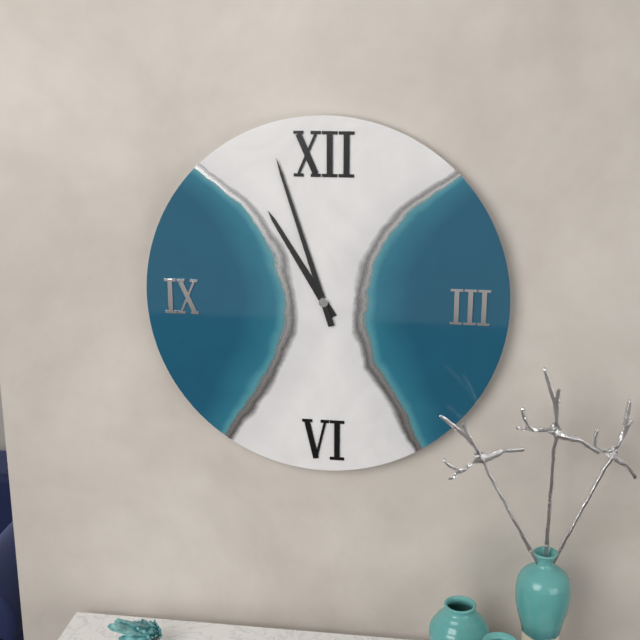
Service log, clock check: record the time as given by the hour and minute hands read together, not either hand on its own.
10:57
